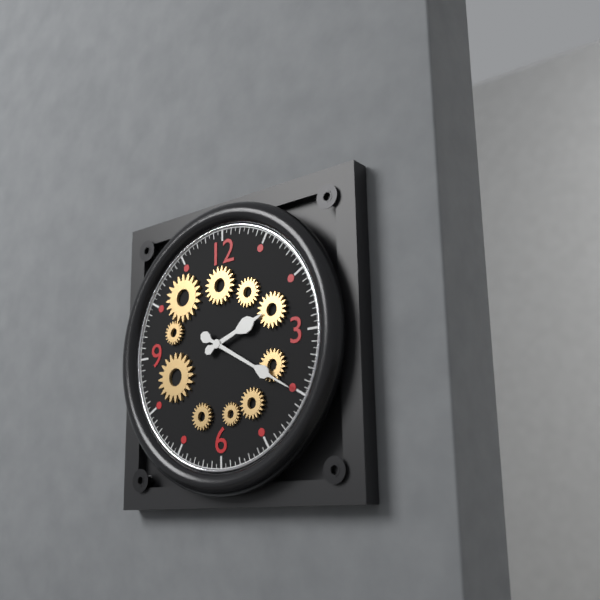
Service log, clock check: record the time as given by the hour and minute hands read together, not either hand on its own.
2:20
